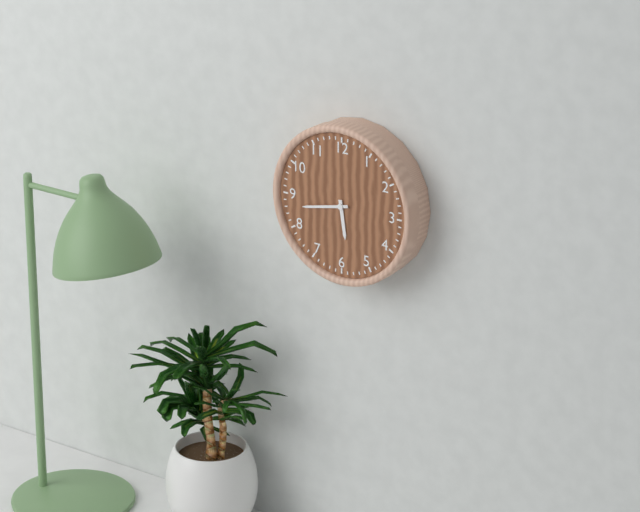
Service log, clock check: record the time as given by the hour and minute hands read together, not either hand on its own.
5:43
